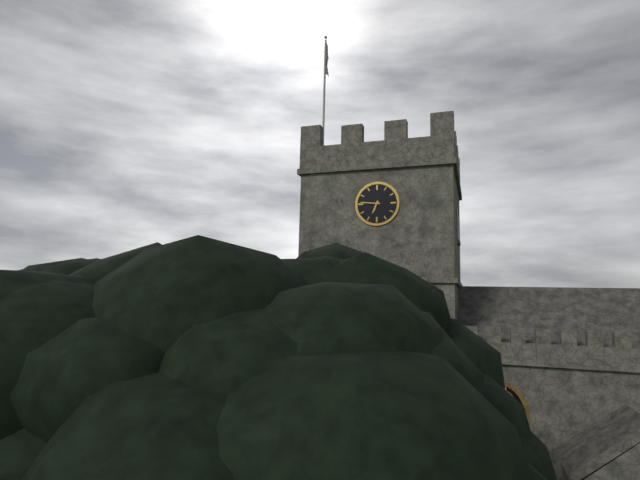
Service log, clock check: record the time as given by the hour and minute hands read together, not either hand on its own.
6:46
